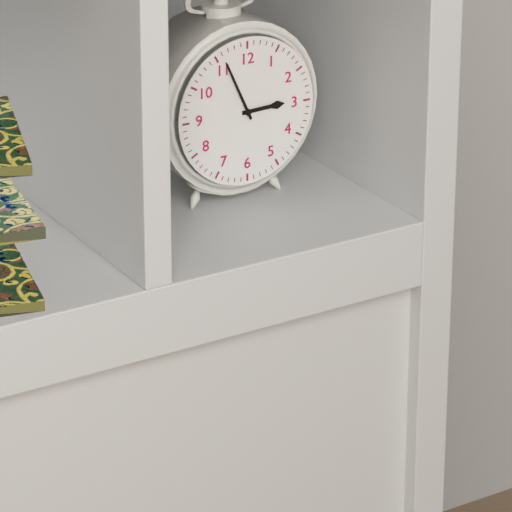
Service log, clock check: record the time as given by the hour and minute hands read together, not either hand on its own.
2:56
